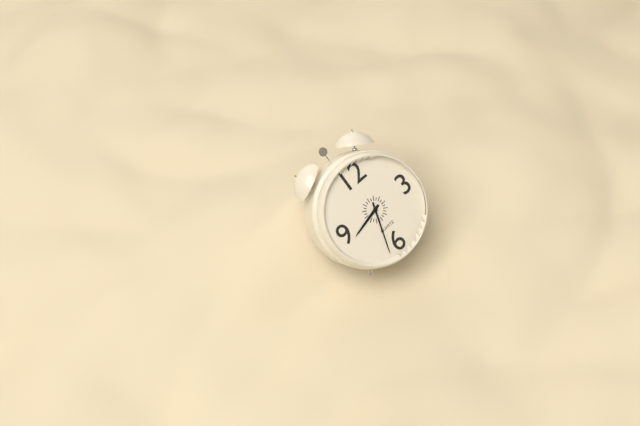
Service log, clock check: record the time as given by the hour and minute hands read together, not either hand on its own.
8:33
